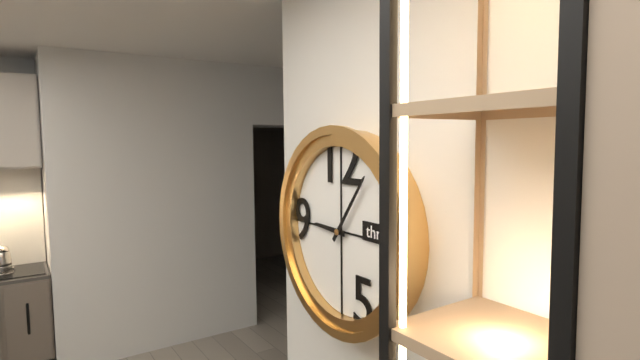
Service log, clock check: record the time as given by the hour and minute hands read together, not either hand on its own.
9:06
